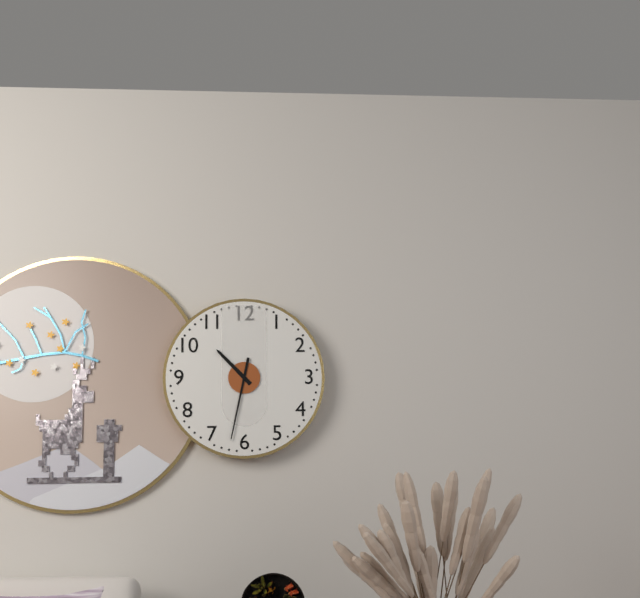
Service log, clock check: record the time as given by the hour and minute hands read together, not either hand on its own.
10:32
